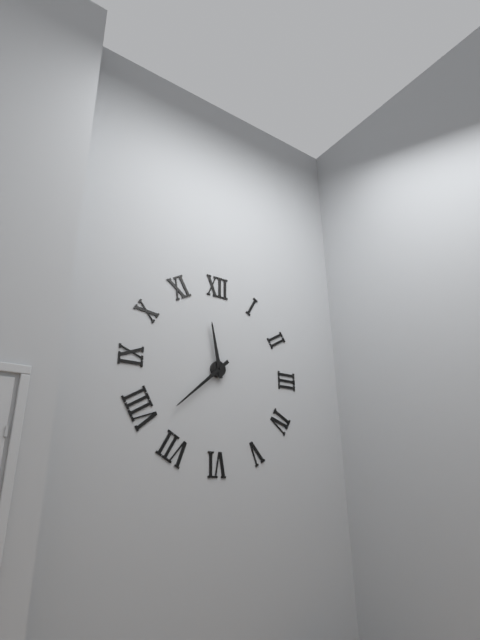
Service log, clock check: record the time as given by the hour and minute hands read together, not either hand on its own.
11:38
